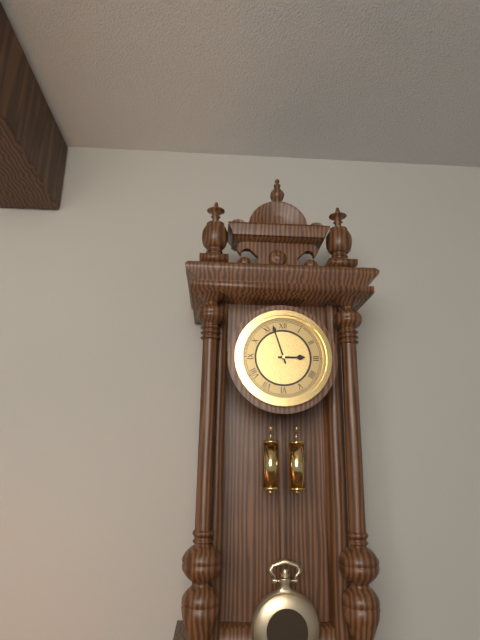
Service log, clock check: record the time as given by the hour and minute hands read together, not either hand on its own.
2:57
